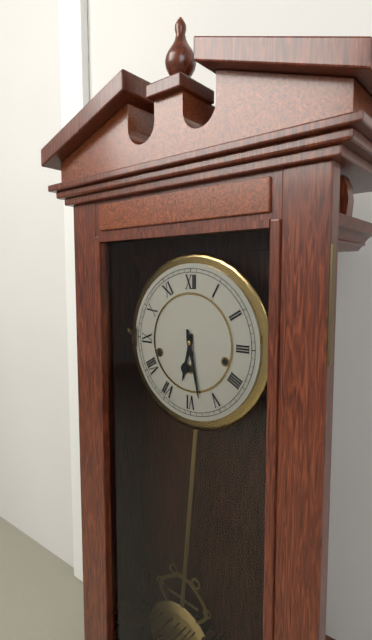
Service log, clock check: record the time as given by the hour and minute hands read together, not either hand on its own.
6:28
